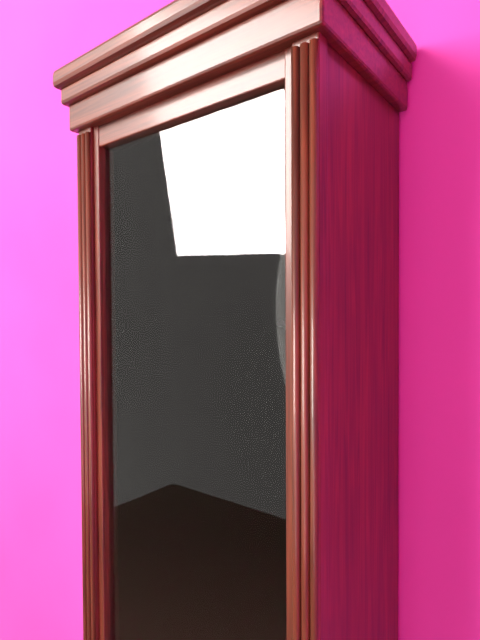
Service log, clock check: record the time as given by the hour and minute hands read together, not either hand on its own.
4:01
